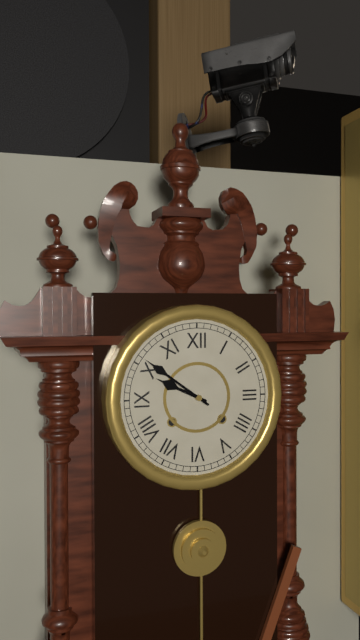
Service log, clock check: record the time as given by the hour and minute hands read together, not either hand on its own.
9:51
